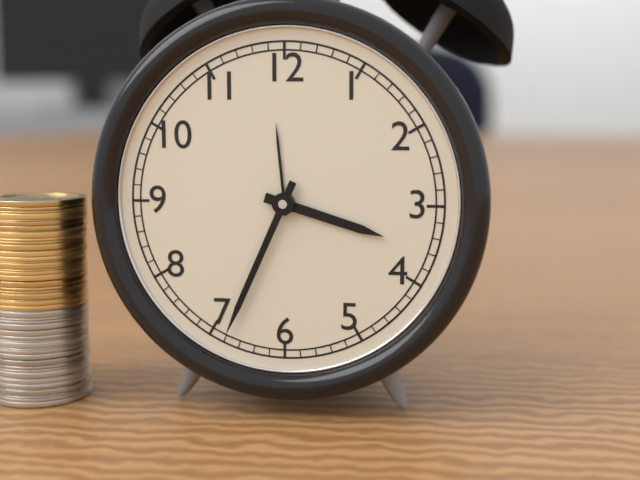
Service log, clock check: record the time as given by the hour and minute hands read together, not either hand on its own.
3:34
